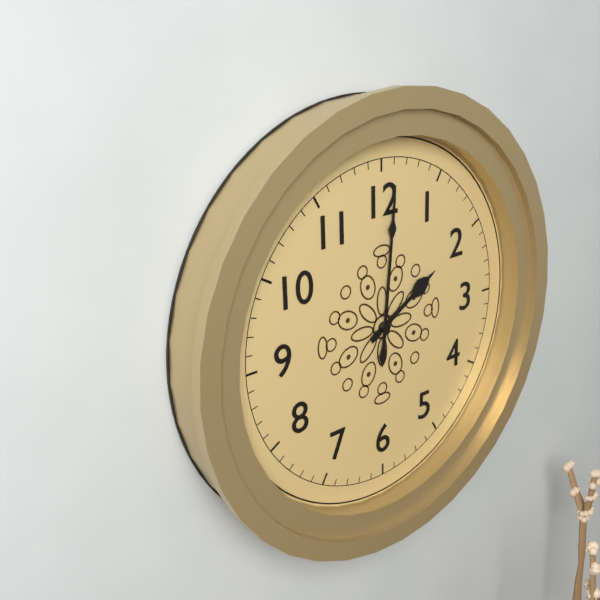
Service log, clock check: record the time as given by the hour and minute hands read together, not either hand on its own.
2:01
